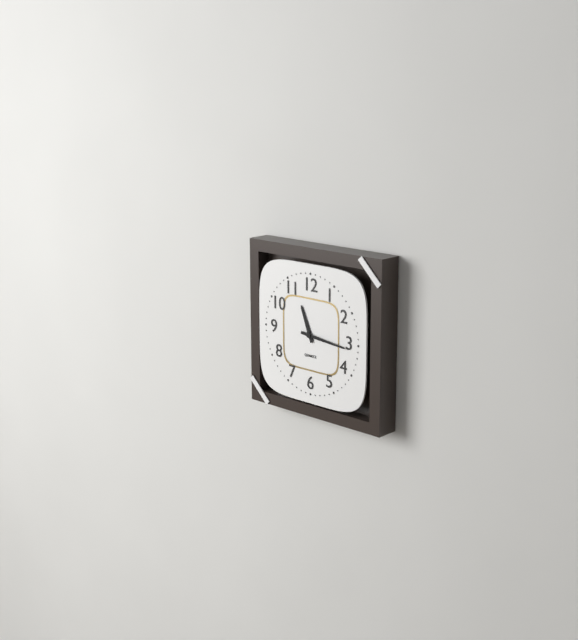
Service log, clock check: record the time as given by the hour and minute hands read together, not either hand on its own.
11:16
